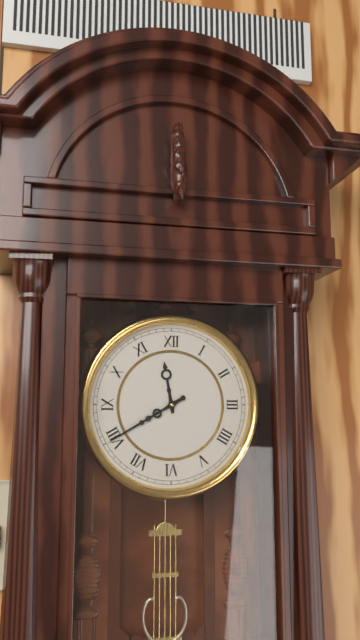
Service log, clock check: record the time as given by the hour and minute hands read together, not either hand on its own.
11:40
